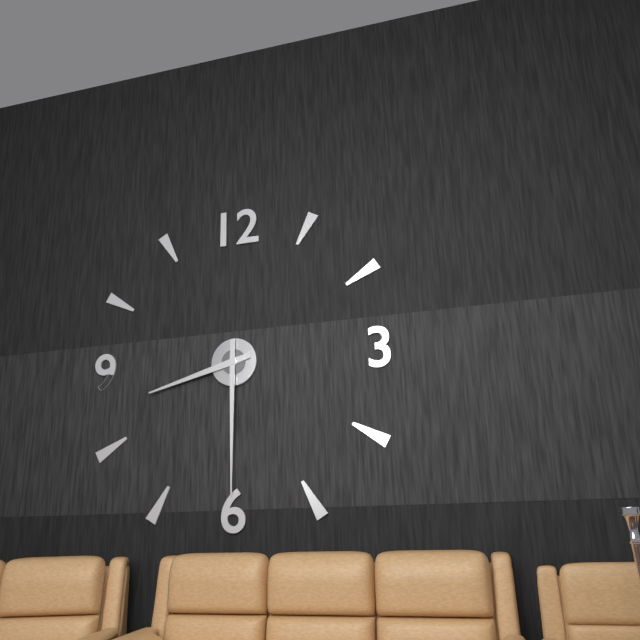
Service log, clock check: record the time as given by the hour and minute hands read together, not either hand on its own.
8:30
